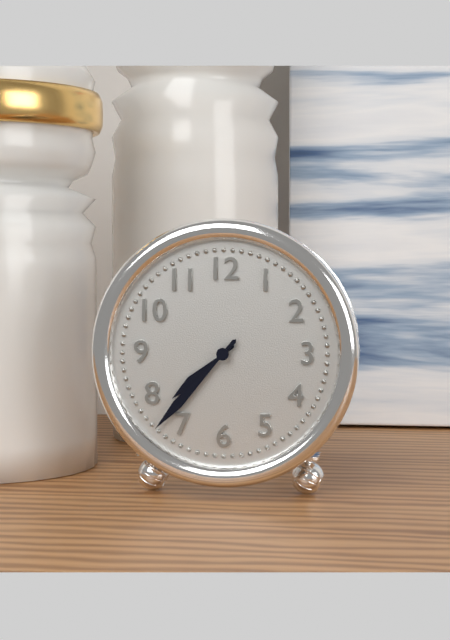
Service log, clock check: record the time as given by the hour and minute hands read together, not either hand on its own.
7:37
